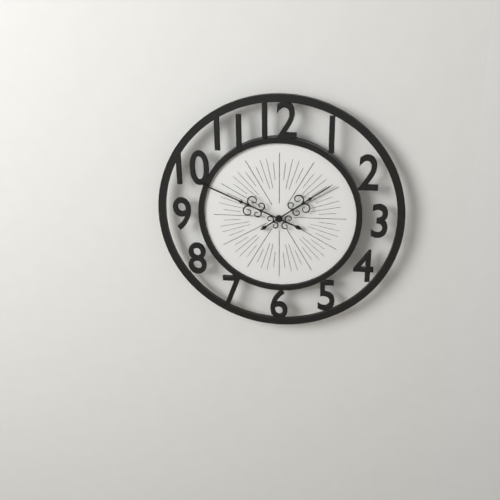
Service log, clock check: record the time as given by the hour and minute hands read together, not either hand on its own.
1:49
